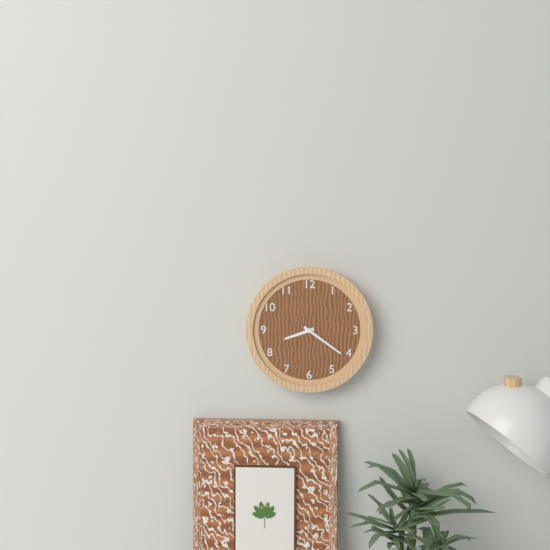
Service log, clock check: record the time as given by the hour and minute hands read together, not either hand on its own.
8:21
